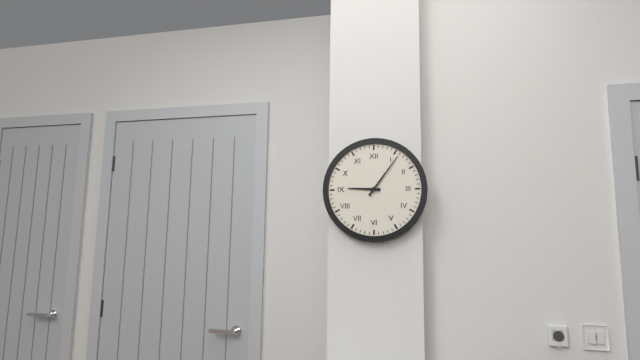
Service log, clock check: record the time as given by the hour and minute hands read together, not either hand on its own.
9:06
